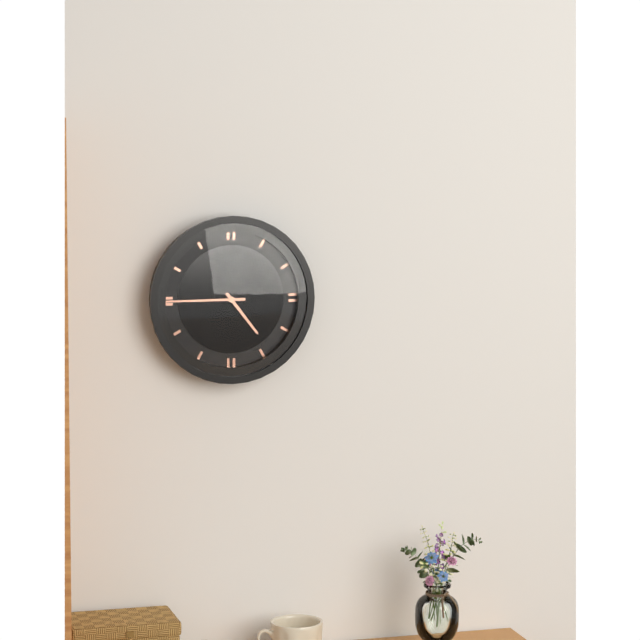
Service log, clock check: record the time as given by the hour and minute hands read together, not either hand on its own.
4:45
